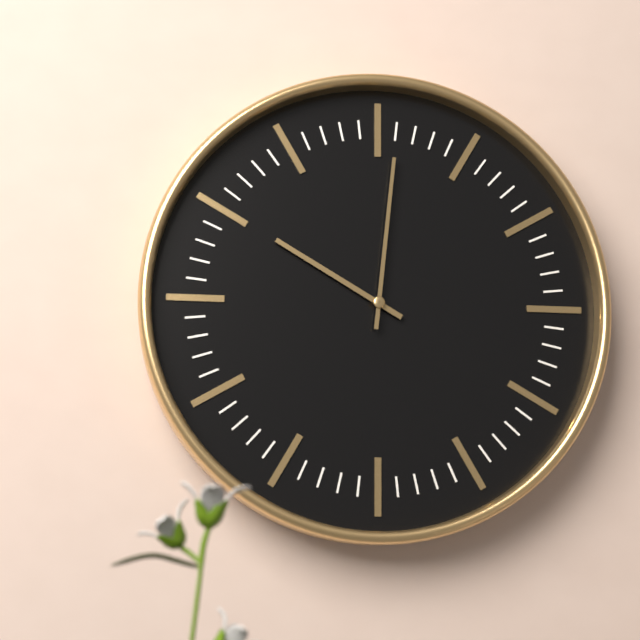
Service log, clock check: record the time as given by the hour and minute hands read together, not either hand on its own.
10:01
